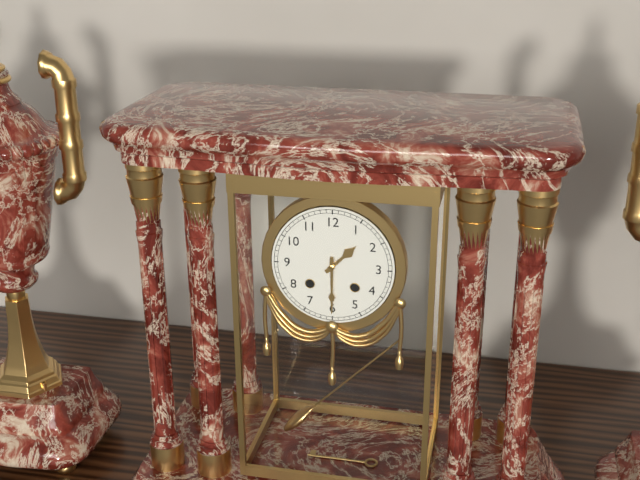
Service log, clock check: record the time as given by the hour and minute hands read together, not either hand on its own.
1:30
